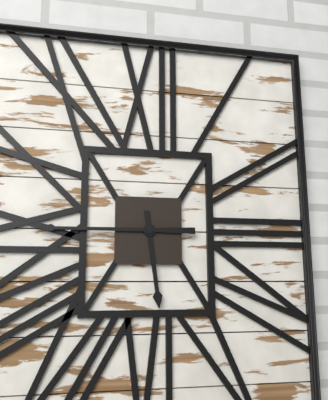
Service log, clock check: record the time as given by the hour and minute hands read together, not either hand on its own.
5:45
